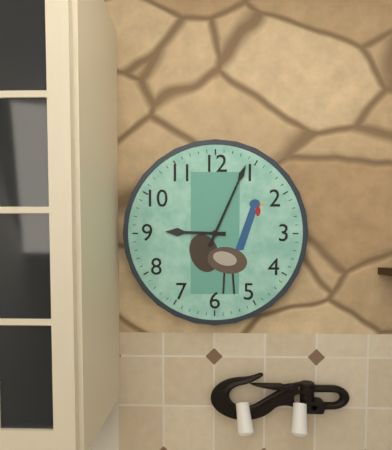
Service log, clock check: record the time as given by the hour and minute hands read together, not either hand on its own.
9:04
